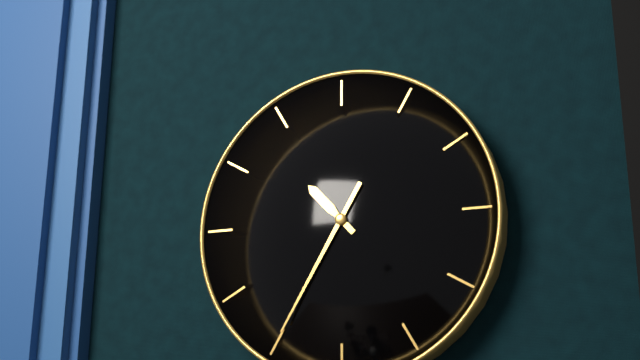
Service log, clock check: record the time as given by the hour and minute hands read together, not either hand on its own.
10:35
